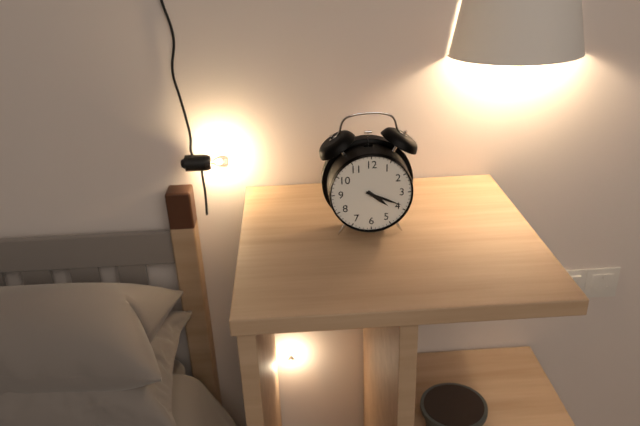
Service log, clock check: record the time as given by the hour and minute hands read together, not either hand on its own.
4:19
